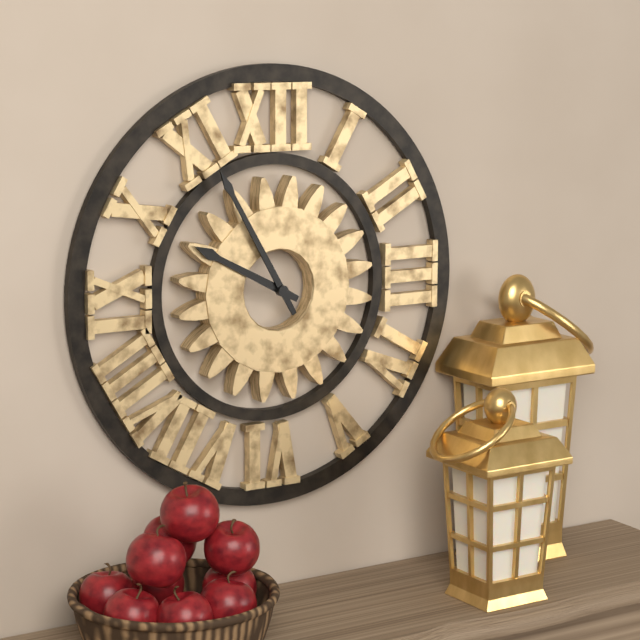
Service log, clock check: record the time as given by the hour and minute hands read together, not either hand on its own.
9:55
